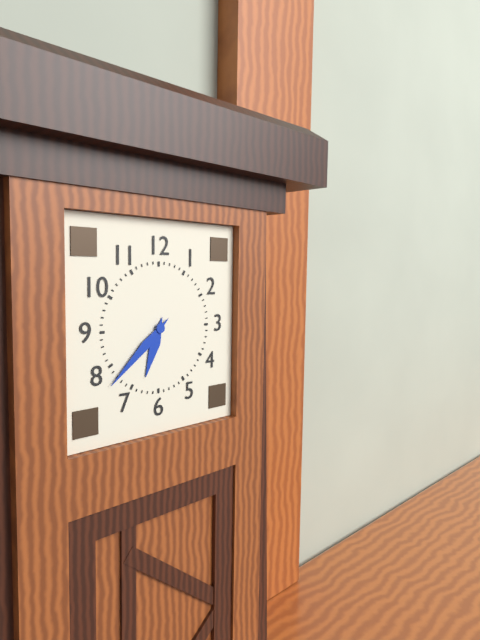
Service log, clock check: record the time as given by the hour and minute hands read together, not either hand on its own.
6:38
